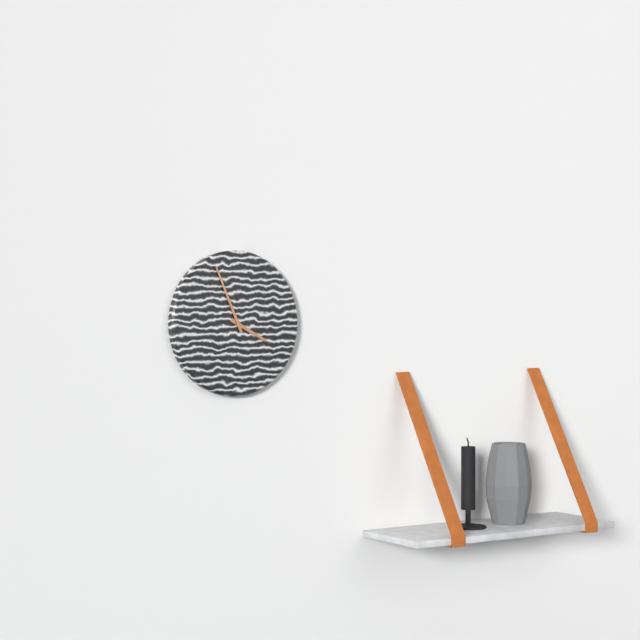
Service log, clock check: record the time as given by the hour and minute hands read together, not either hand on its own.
3:56
